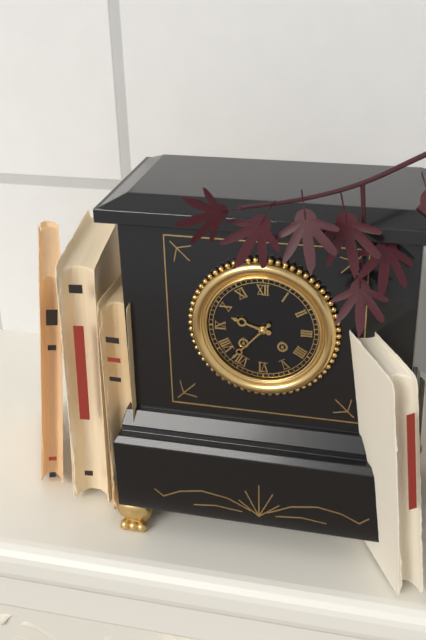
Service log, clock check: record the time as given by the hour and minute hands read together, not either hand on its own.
9:37
